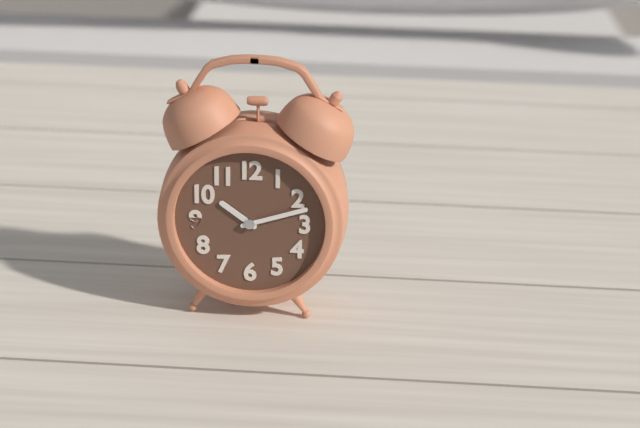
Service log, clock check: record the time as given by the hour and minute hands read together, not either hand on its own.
10:12
